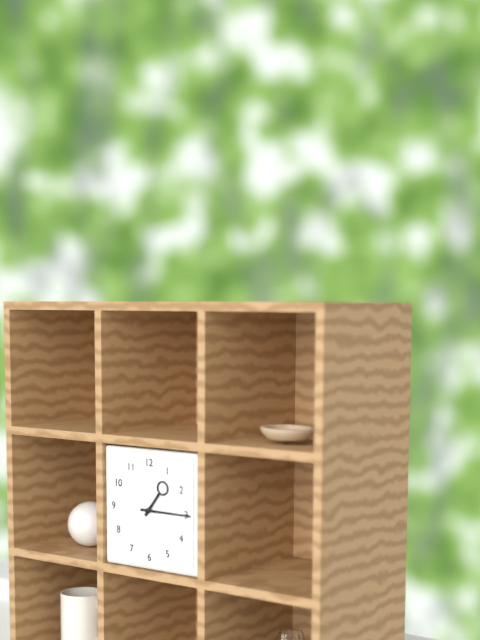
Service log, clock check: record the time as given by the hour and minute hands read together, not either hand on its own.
1:15
